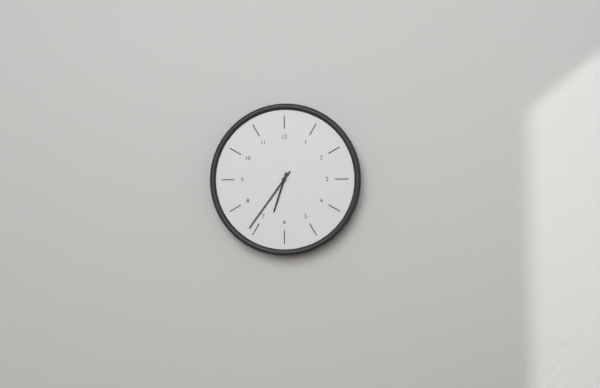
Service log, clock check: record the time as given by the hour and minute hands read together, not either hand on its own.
6:36
